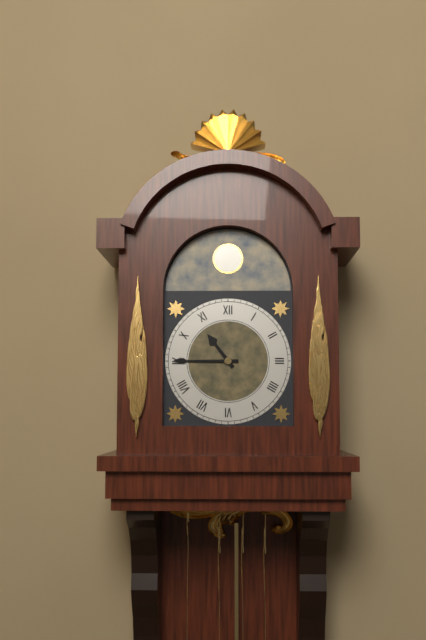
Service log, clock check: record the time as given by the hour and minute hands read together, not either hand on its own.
10:45
